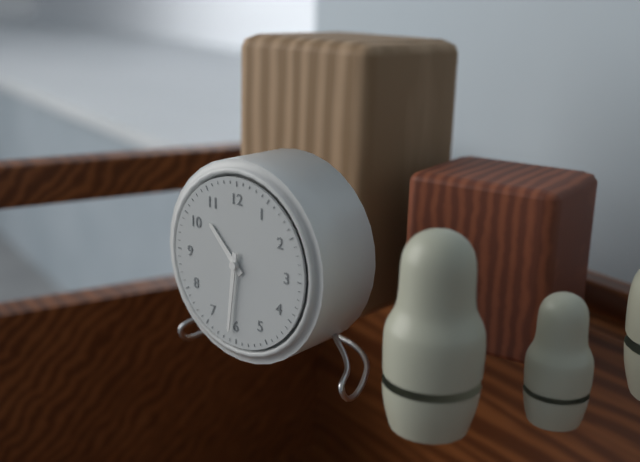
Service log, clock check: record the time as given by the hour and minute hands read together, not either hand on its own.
10:31
